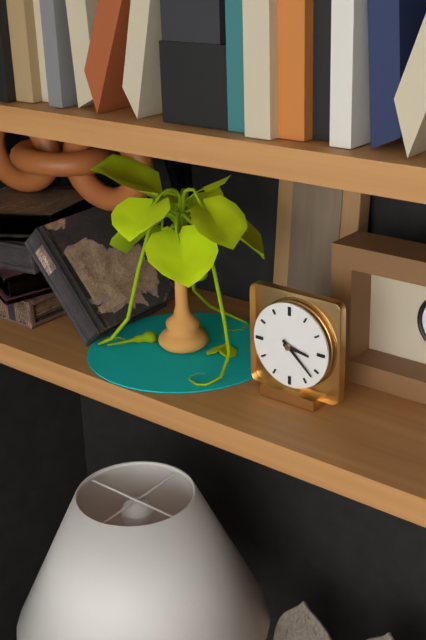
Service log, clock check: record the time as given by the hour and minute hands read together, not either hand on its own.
3:22
